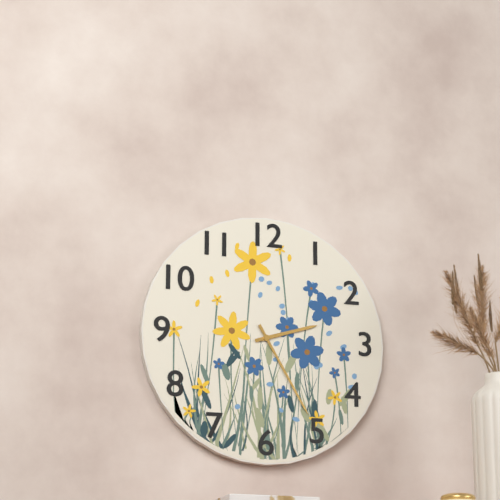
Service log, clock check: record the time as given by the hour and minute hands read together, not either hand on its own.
2:25
